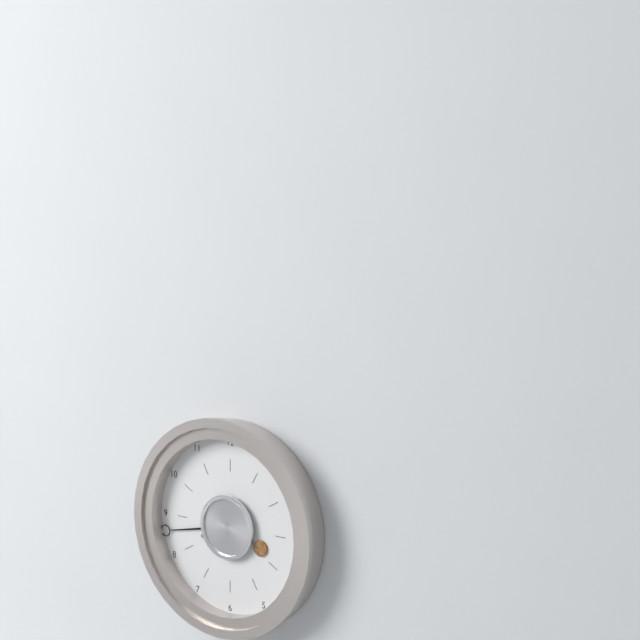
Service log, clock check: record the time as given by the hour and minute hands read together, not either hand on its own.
3:43
